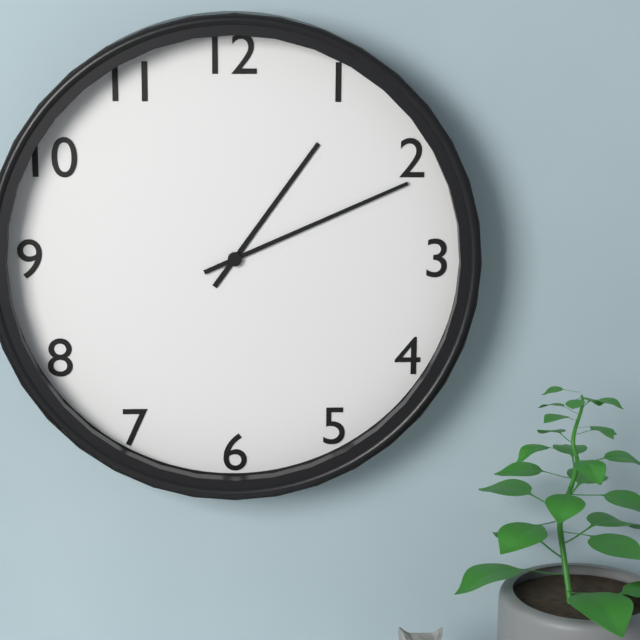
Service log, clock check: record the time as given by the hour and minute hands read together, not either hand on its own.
1:11
